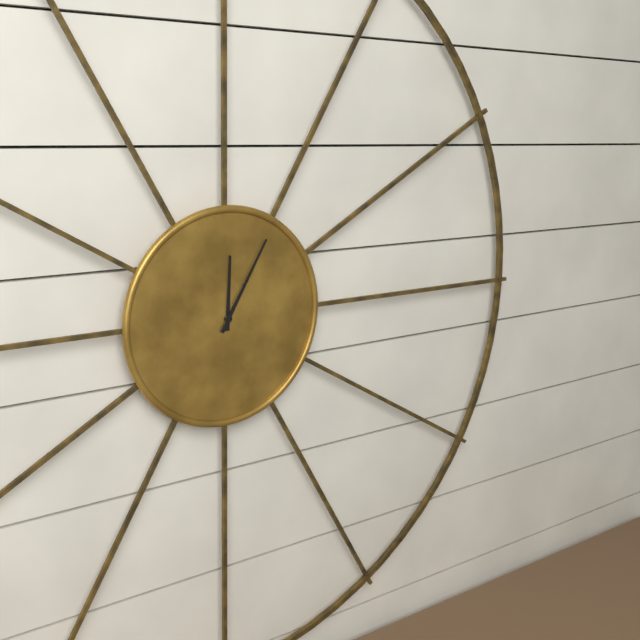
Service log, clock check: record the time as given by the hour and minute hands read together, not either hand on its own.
12:05
